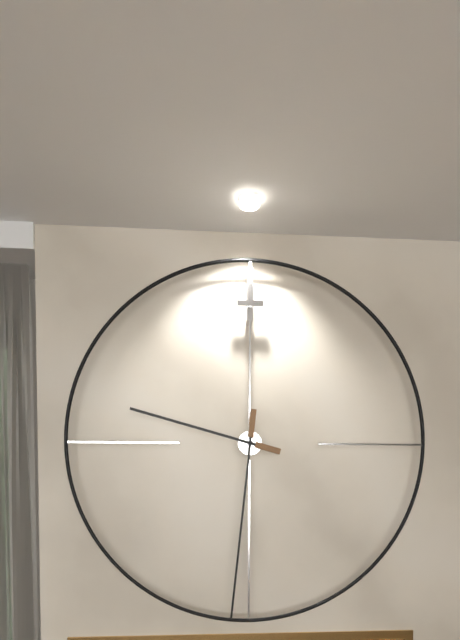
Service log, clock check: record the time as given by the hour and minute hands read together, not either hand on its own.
9:31
